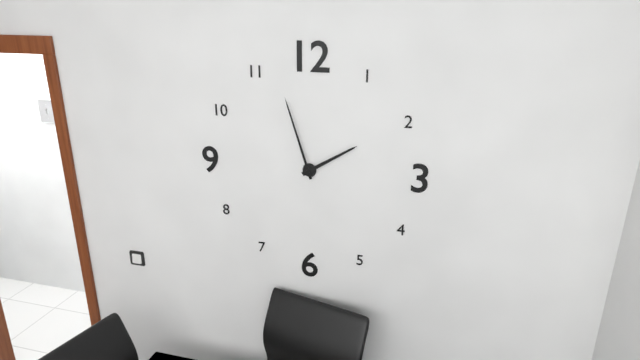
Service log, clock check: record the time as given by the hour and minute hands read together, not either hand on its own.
1:57
